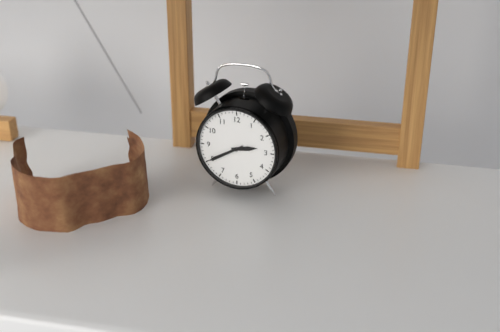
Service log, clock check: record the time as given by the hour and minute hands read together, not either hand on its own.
2:40
